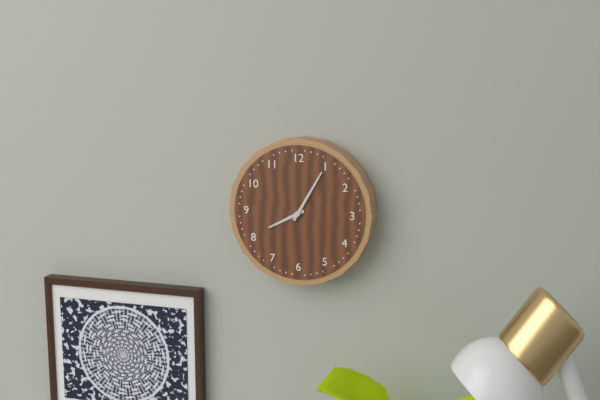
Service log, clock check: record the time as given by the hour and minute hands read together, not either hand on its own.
8:05
